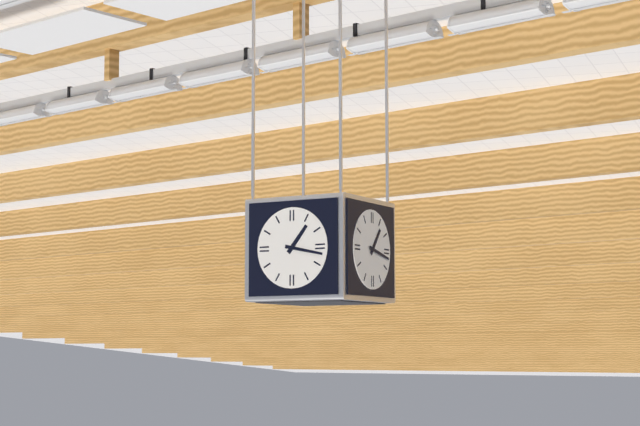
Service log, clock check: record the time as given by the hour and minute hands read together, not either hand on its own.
1:17
